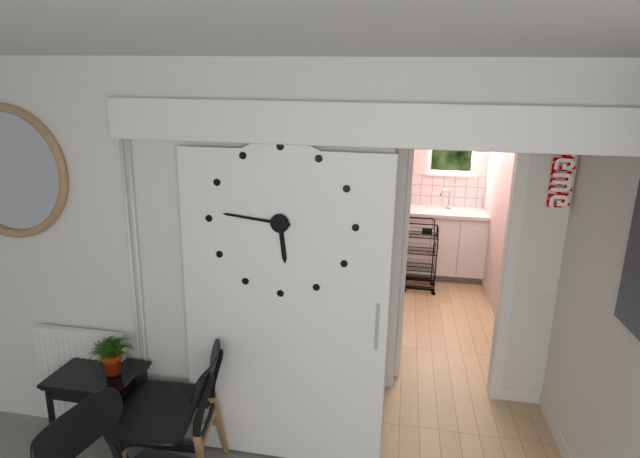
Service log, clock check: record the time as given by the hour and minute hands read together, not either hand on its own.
5:46
